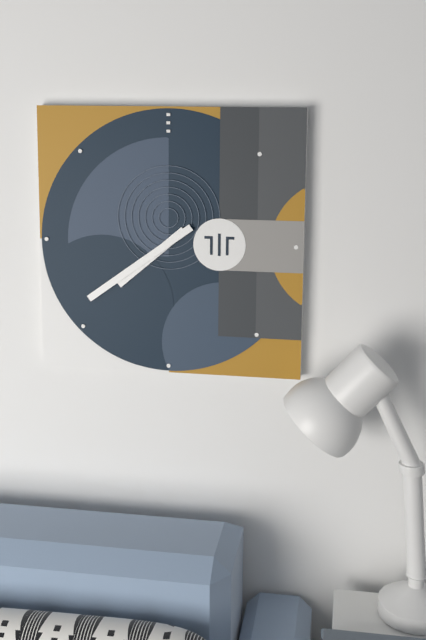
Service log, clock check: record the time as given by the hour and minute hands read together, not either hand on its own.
7:39
